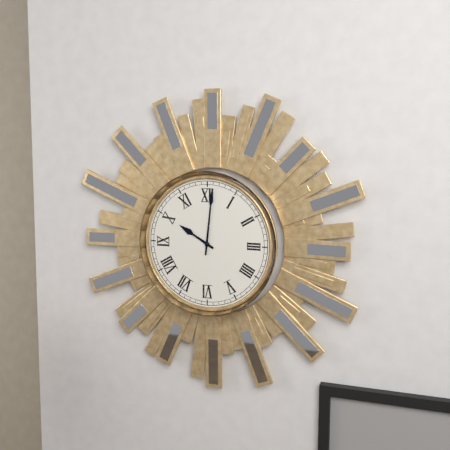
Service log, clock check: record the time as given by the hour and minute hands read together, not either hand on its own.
10:01
